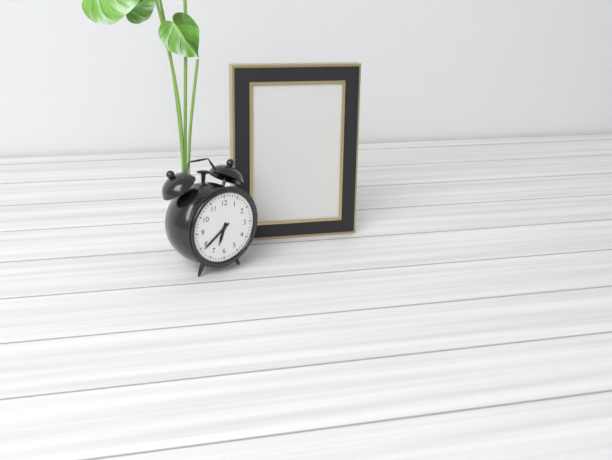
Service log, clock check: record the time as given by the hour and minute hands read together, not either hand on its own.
6:39
